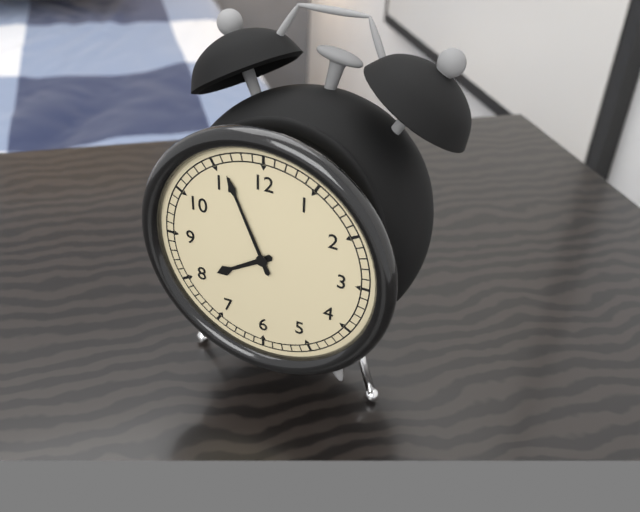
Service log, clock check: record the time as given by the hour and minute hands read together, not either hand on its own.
7:56
